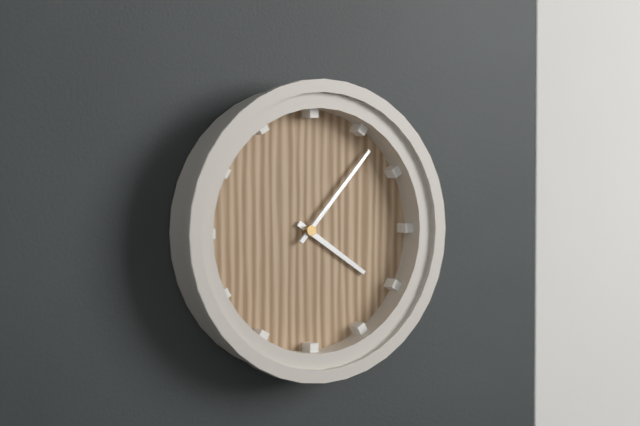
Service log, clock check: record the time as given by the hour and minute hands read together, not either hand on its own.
4:07
